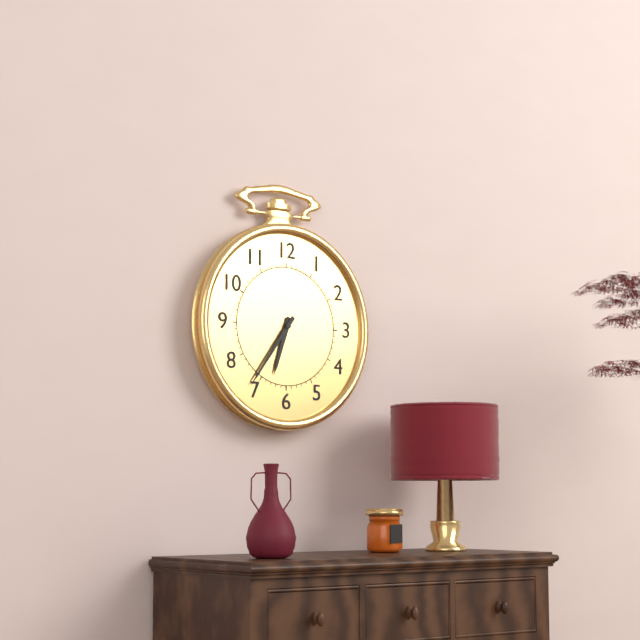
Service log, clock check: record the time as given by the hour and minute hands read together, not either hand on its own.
6:36
